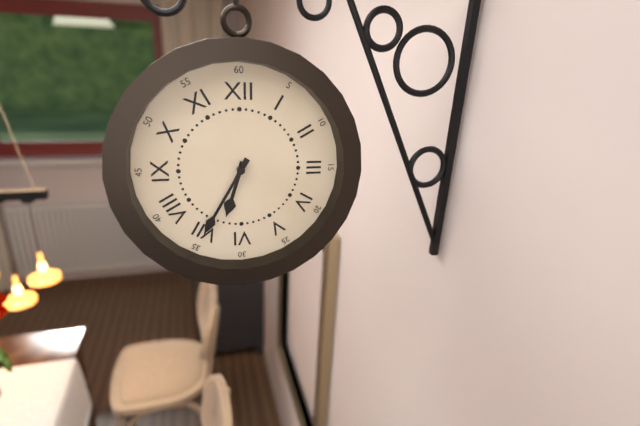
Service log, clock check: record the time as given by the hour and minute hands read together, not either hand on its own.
6:35
